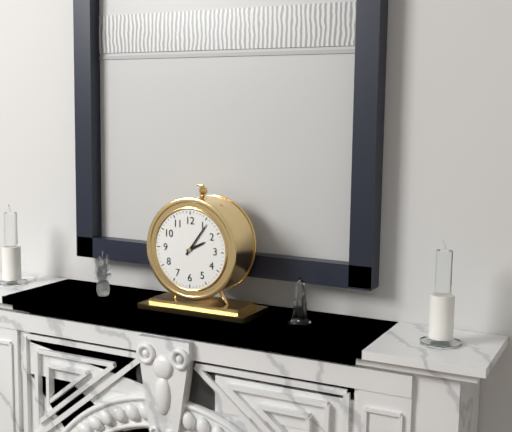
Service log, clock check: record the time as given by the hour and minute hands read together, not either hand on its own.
2:06
